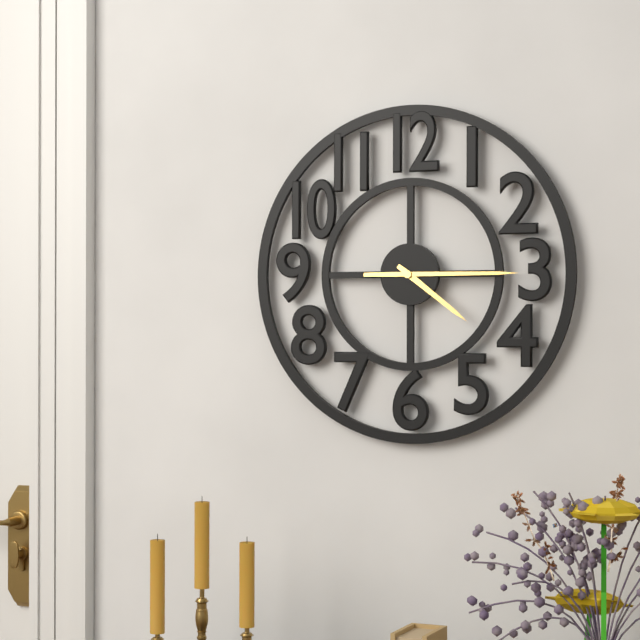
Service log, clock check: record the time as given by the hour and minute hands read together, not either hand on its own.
4:15
